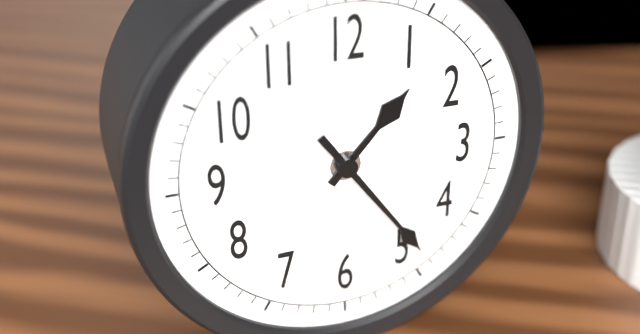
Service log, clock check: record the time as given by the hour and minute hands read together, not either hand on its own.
1:24
